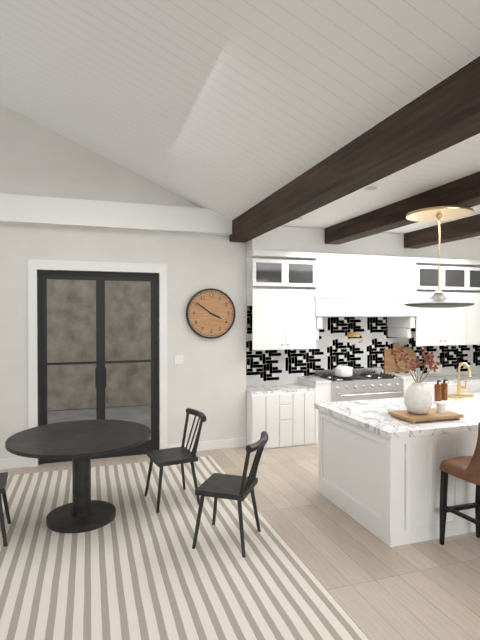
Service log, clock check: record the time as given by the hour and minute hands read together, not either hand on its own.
3:51
